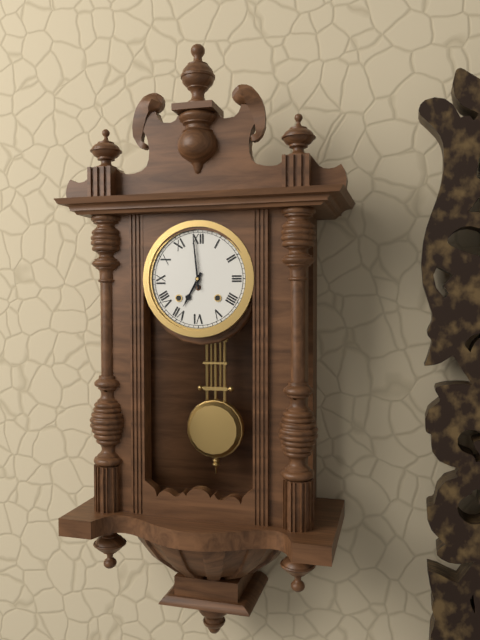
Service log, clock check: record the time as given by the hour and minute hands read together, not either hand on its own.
6:59
